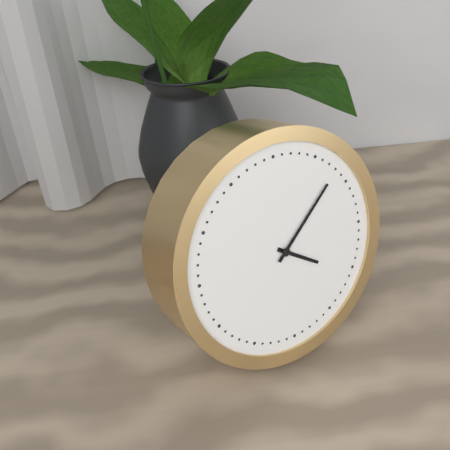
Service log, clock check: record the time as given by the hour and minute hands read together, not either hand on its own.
4:08
